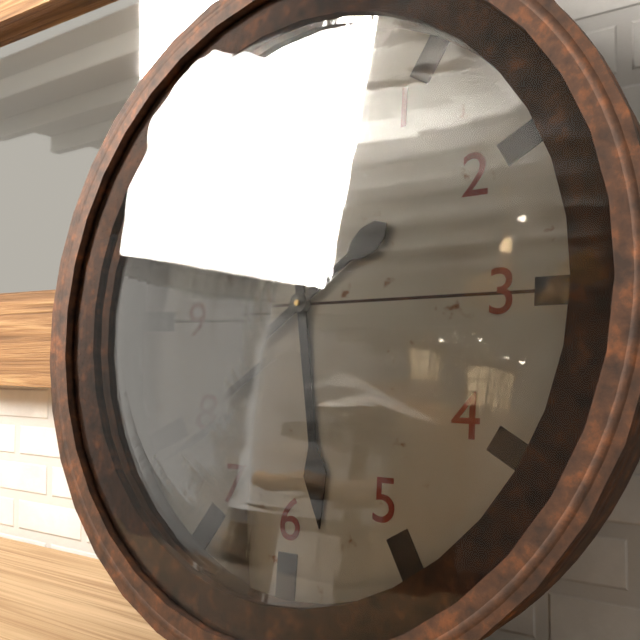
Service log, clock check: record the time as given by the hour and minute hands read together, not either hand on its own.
5:39
